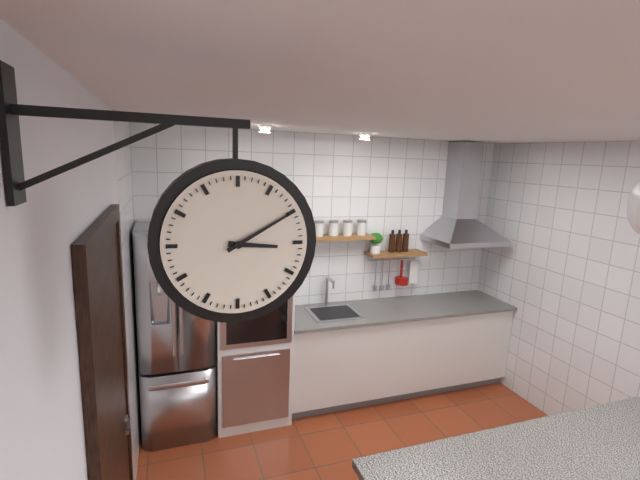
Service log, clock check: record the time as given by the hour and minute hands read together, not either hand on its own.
3:10
